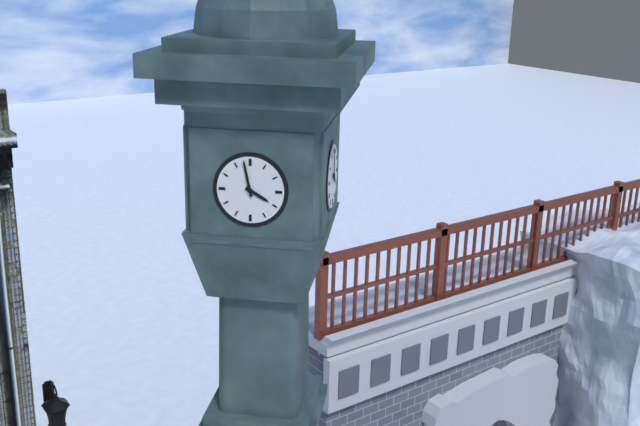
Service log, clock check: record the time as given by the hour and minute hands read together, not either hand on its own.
3:58
